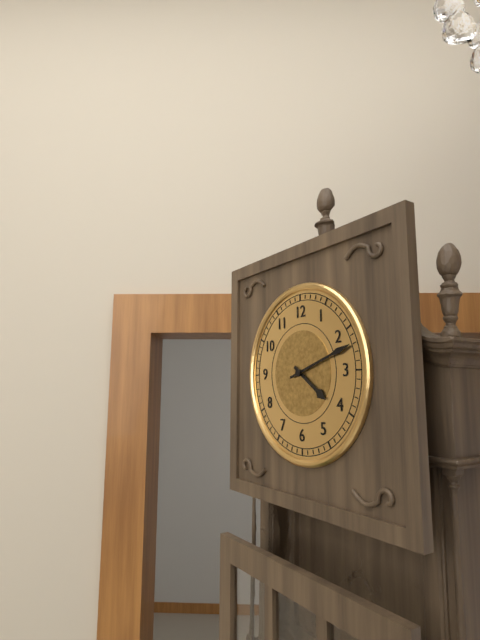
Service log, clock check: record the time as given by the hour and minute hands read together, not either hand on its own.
4:12
